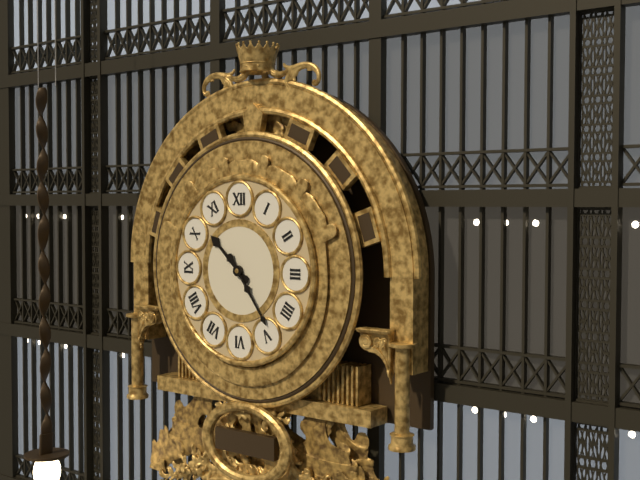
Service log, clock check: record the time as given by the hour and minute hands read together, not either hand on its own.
10:24
